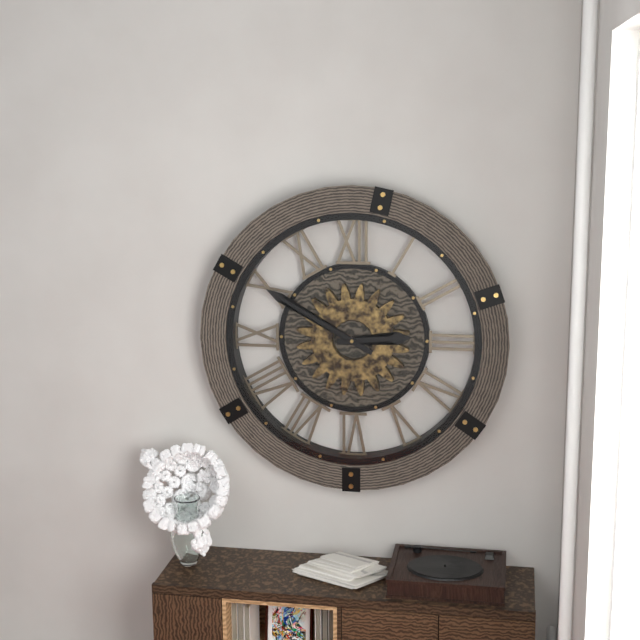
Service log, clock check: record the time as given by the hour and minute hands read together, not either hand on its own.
2:50
